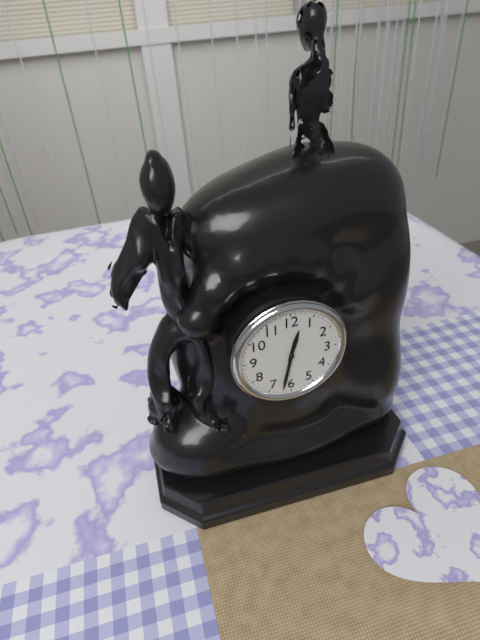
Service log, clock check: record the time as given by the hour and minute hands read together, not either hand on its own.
12:32
